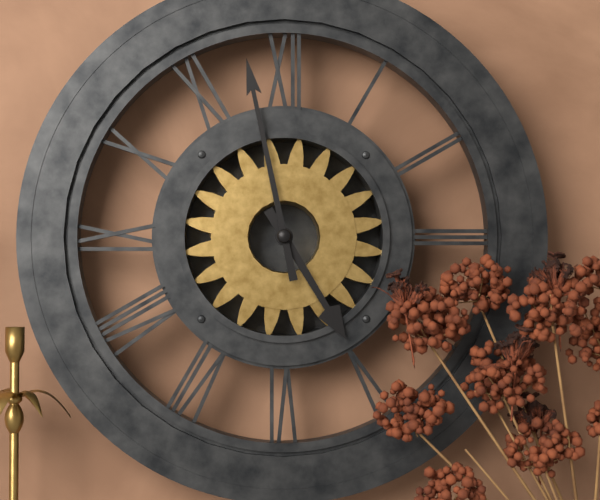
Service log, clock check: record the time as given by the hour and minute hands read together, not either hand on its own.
4:58
